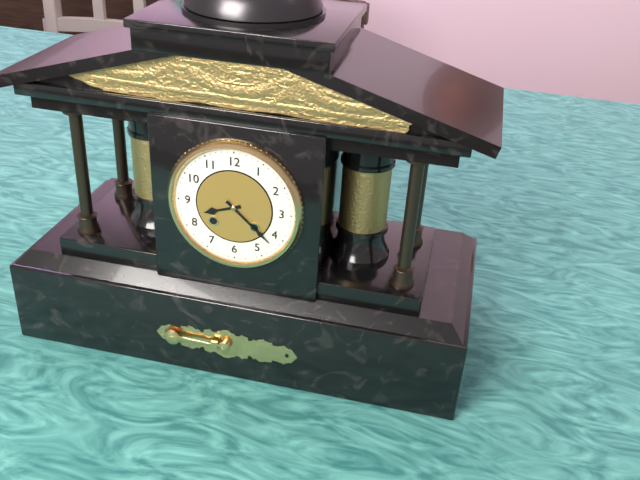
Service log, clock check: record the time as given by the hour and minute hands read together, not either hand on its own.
8:22
